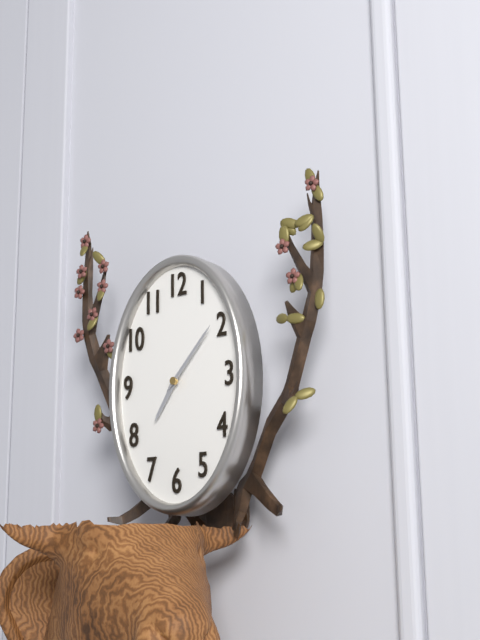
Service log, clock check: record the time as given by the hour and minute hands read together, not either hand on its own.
7:07
